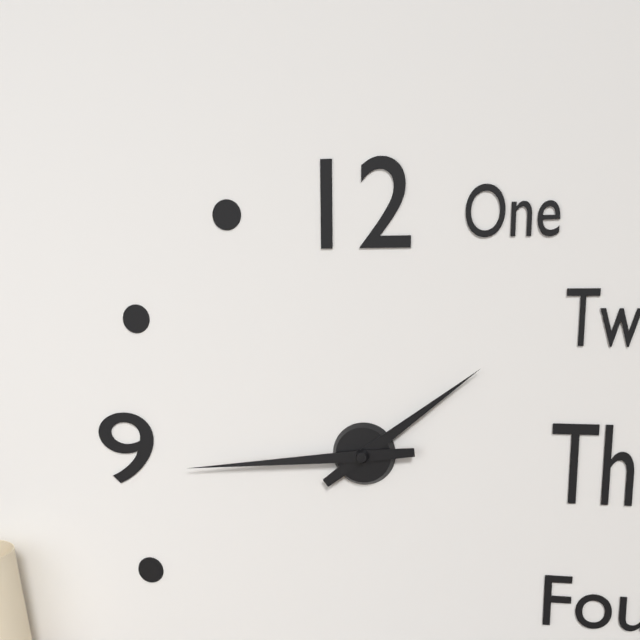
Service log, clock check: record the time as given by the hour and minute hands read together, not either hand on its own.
1:44
